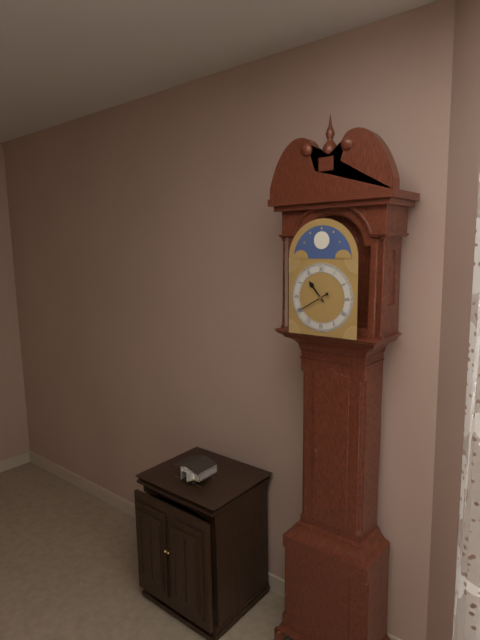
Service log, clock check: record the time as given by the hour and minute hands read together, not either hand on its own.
10:40
